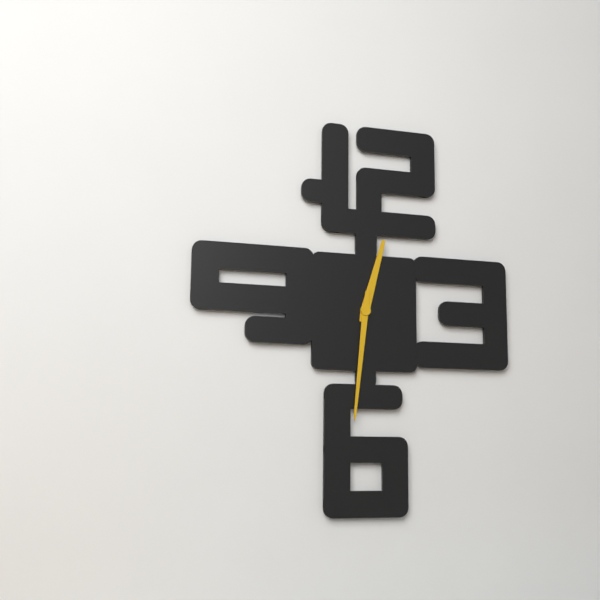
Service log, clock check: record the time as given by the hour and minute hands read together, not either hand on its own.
12:31
